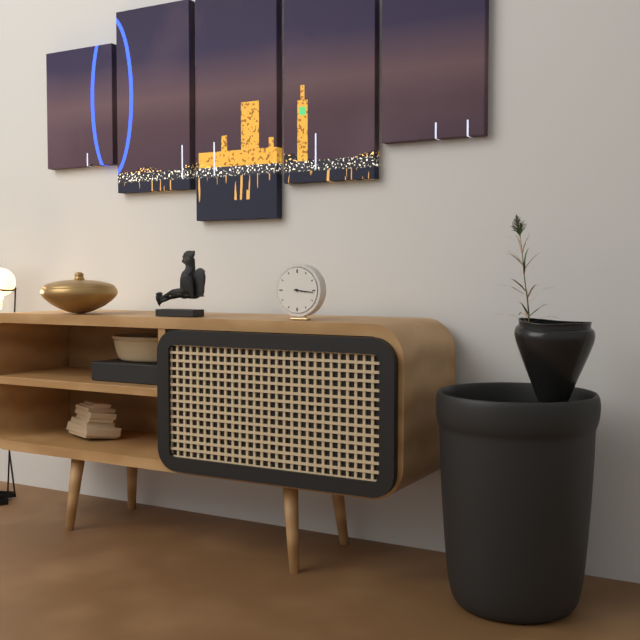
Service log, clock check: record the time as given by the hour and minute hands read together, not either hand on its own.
3:16
